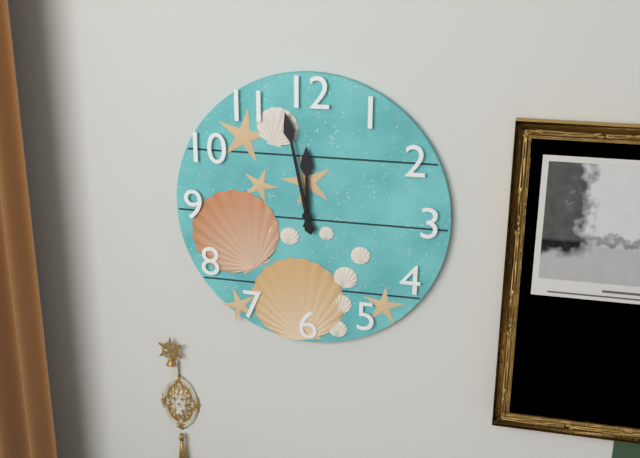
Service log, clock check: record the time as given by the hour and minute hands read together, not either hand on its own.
11:58
